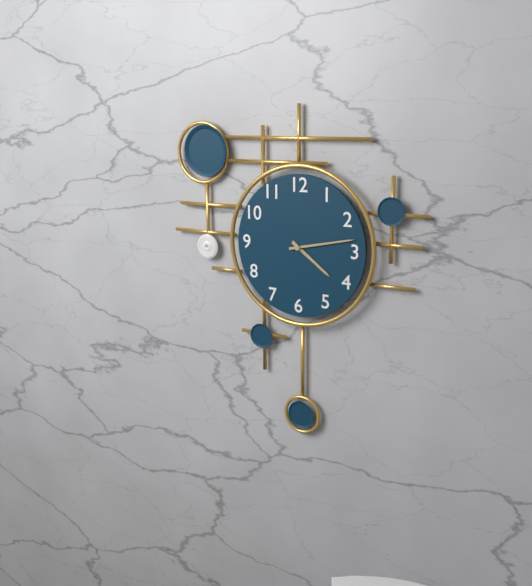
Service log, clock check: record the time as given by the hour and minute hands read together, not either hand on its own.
4:13
